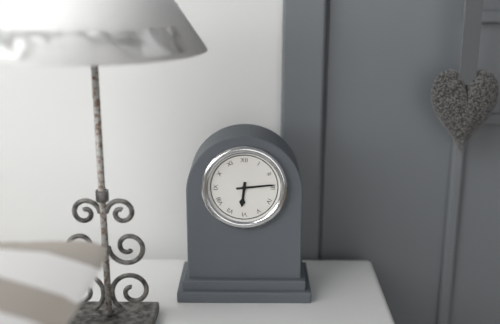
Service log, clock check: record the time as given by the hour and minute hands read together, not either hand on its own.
6:14
